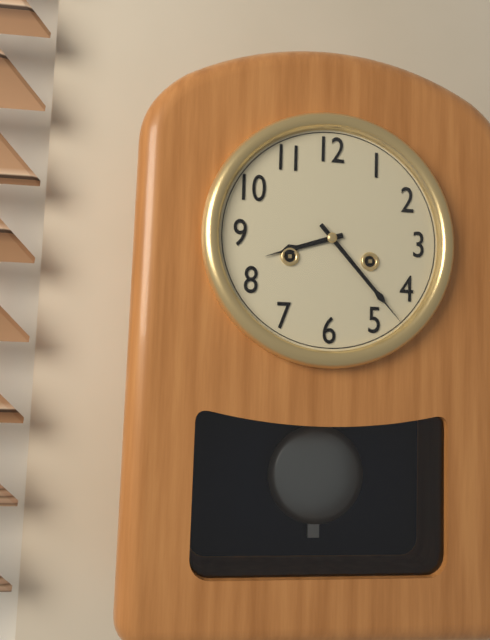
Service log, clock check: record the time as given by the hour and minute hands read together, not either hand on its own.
8:23
